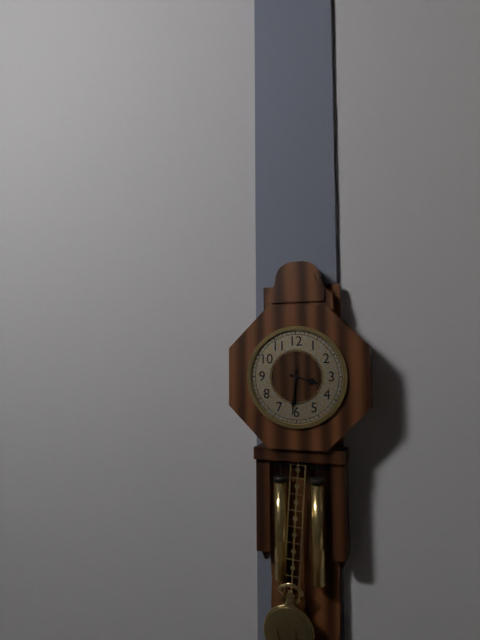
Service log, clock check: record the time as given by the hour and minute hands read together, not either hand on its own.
3:31
